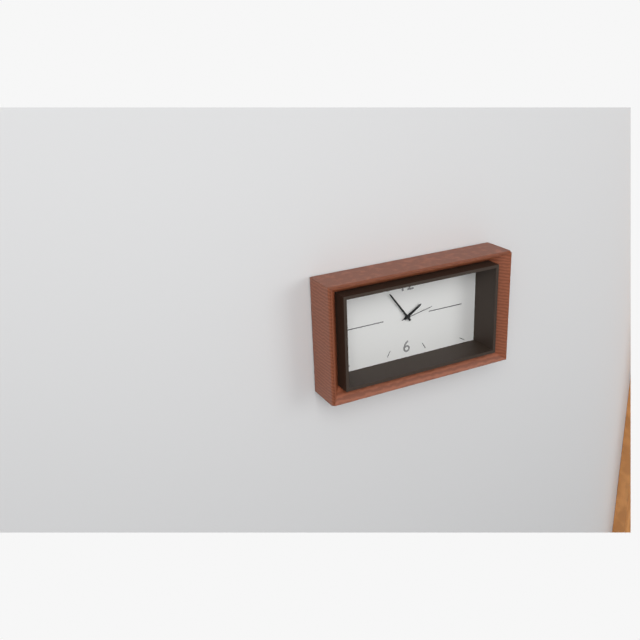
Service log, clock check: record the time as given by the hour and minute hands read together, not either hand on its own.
1:54
